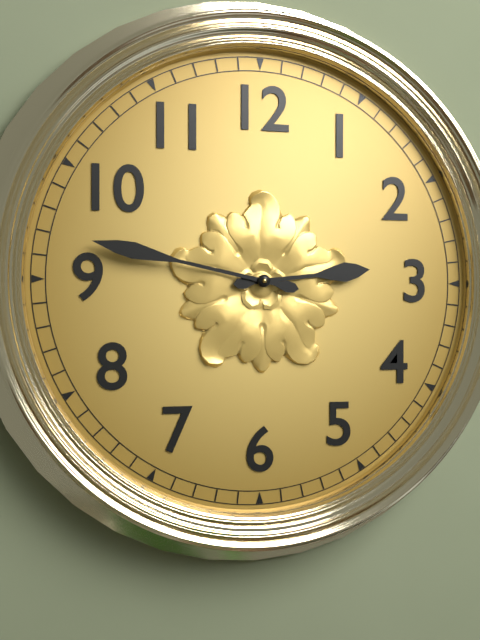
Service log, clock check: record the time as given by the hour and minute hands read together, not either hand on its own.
2:47
